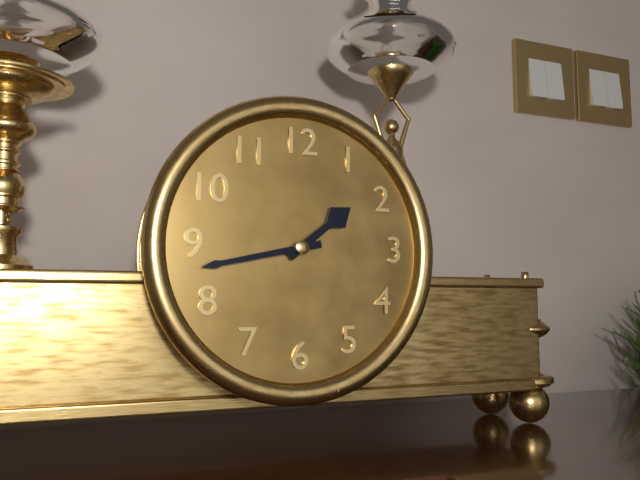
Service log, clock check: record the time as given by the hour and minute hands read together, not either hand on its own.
1:43
